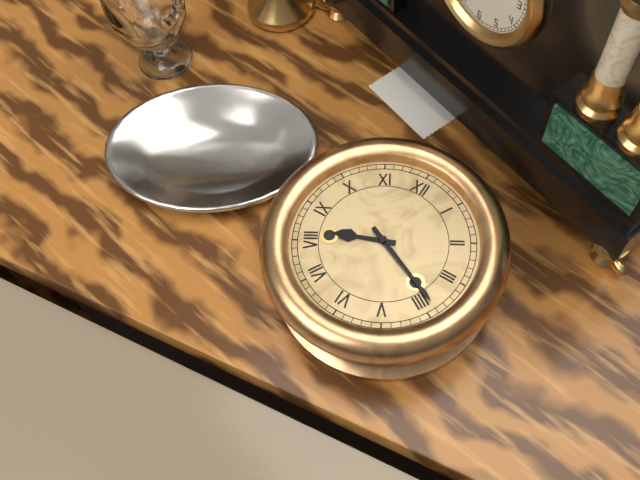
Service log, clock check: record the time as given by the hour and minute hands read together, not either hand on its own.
8:19
